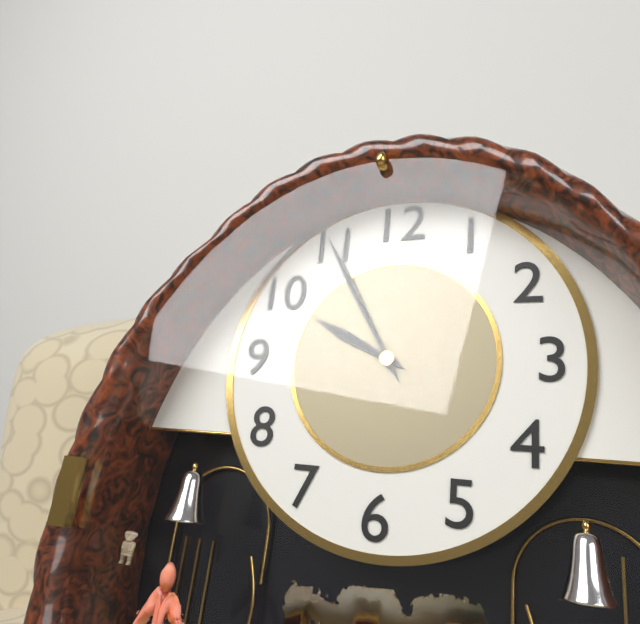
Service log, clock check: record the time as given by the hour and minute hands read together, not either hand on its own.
9:55
